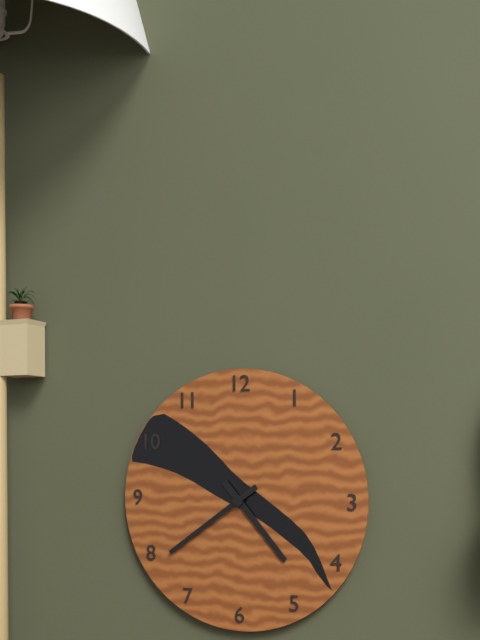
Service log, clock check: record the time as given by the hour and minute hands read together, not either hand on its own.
4:39
